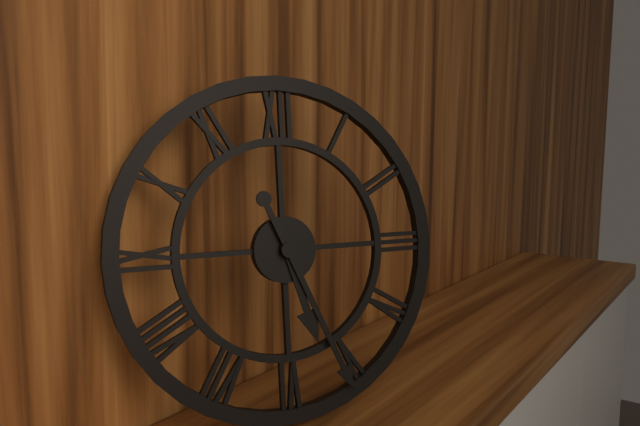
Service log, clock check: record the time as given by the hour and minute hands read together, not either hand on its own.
5:26
